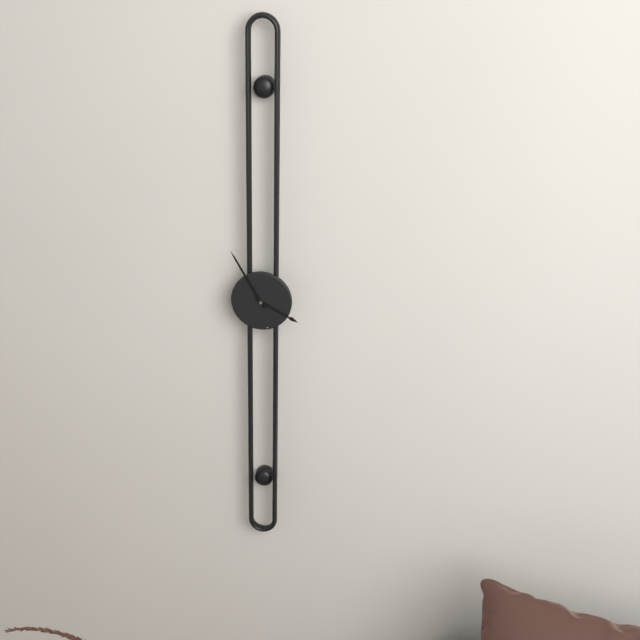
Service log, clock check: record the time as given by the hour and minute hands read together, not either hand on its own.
3:55
